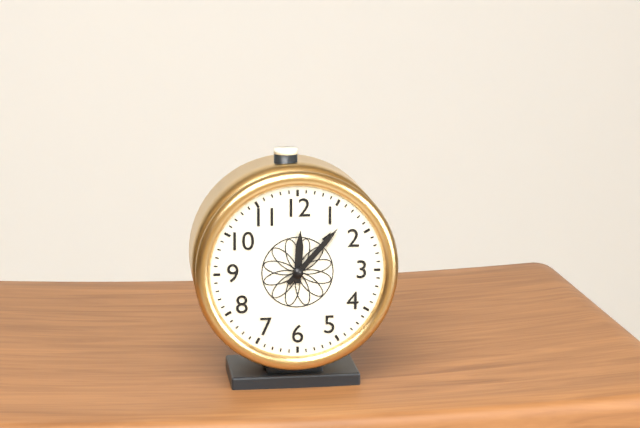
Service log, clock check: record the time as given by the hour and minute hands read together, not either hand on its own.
12:07
